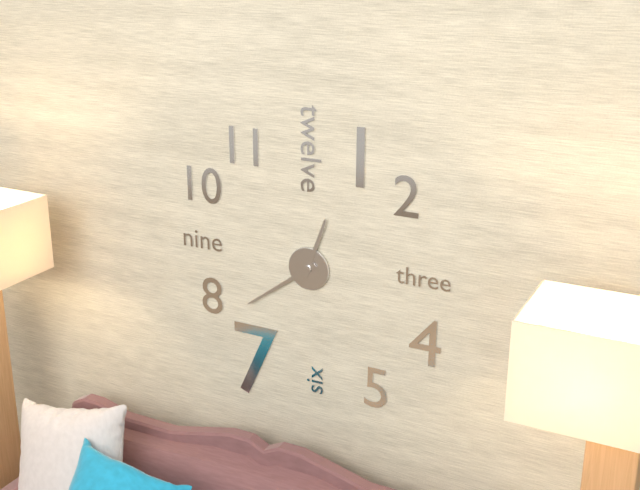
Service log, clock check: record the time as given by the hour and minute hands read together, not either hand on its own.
12:39
